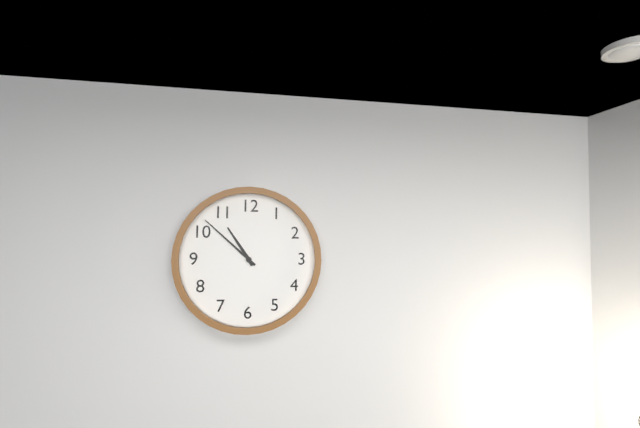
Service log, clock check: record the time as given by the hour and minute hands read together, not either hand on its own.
10:52
